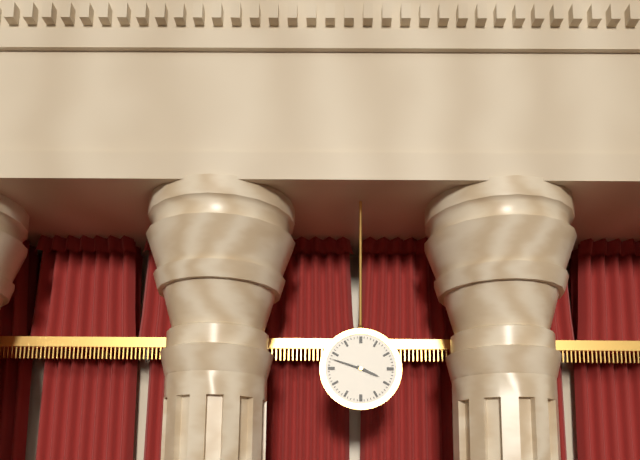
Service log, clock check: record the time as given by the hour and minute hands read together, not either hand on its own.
3:48
